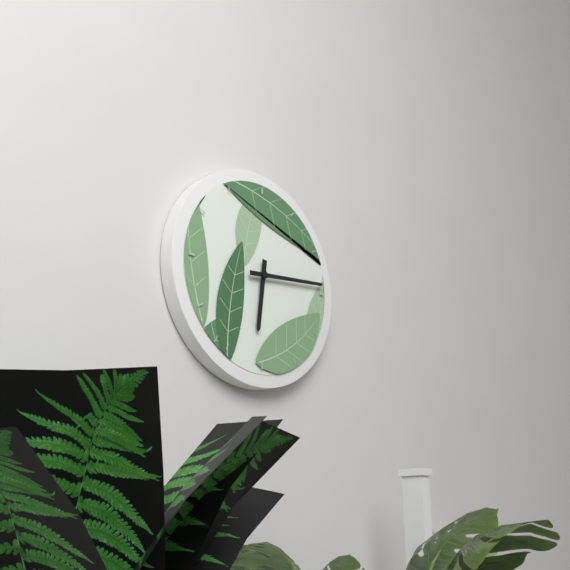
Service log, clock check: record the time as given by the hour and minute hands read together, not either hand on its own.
6:14
